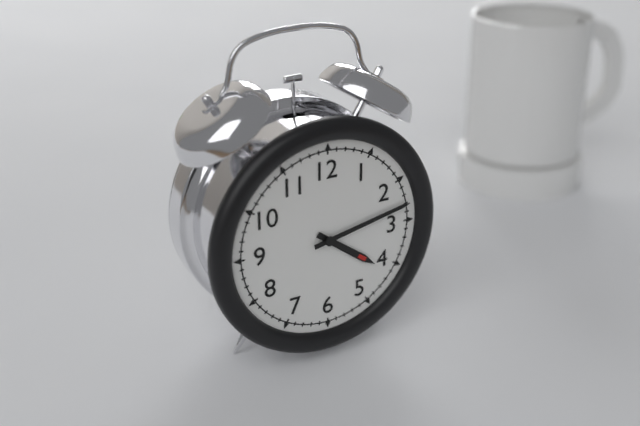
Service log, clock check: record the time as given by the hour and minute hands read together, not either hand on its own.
4:13
